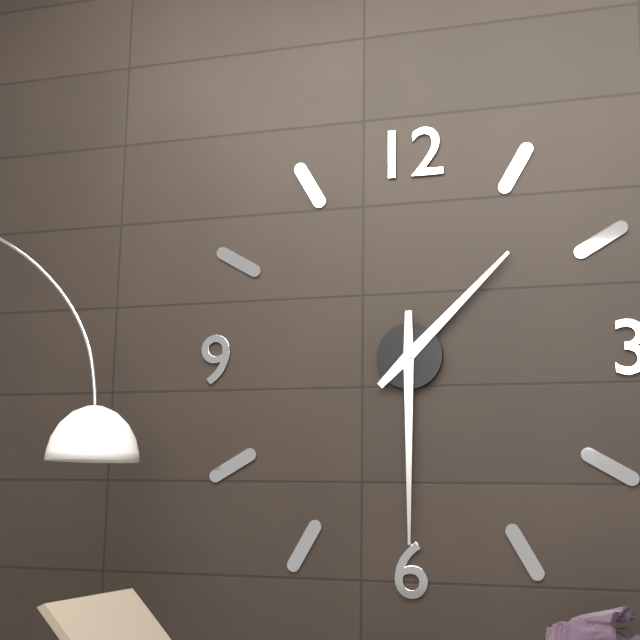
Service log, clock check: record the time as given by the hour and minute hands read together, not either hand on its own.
1:30
